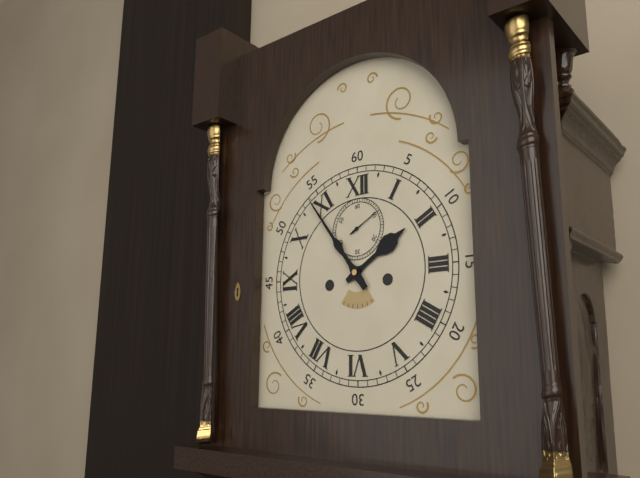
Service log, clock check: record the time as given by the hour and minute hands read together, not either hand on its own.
1:54
